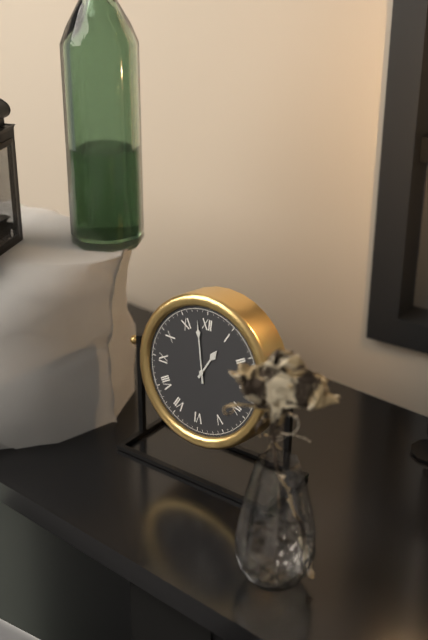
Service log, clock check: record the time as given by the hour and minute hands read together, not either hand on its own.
12:58
